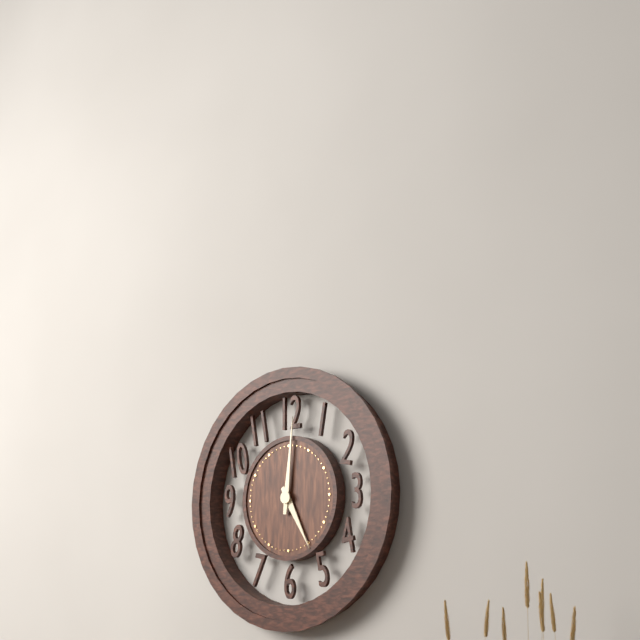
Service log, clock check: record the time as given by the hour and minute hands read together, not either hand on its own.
5:01
